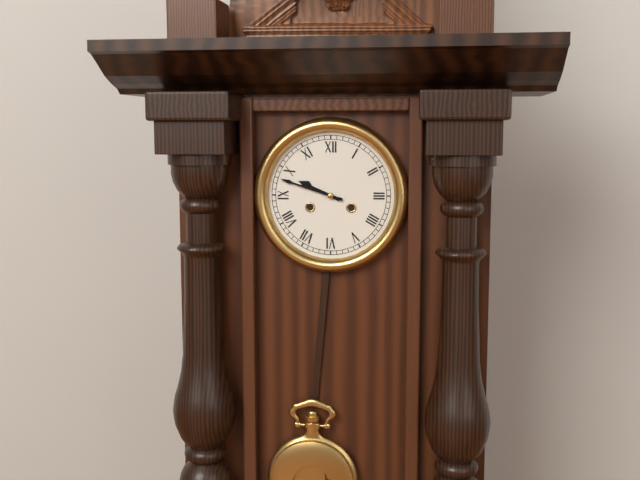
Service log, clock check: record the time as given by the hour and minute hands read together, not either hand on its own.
9:48
